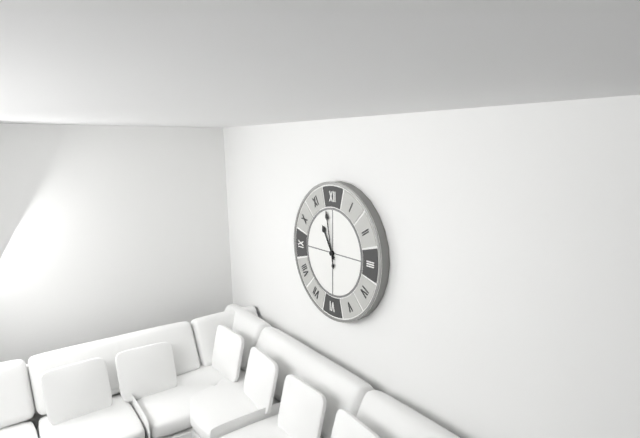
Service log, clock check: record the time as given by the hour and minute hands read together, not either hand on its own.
10:58
